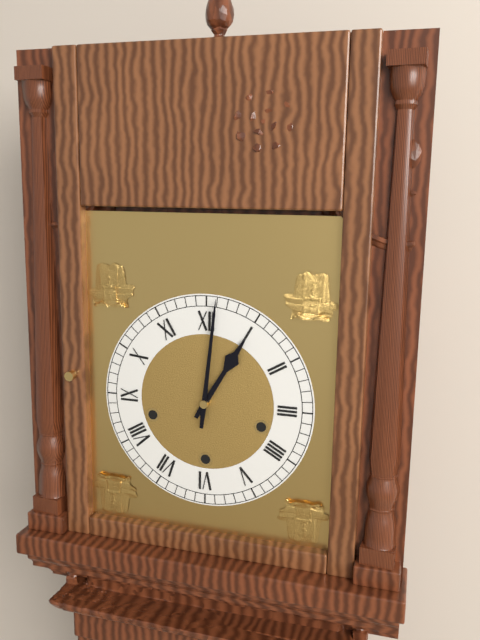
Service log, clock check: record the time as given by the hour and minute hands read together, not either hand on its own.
1:01
